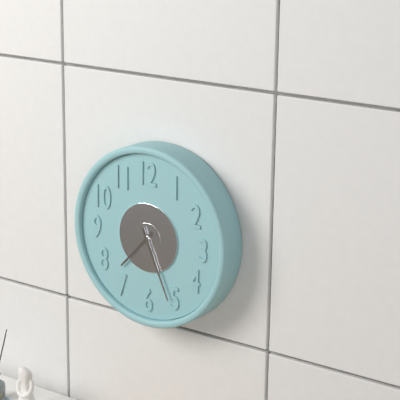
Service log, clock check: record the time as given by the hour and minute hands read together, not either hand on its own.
7:26
